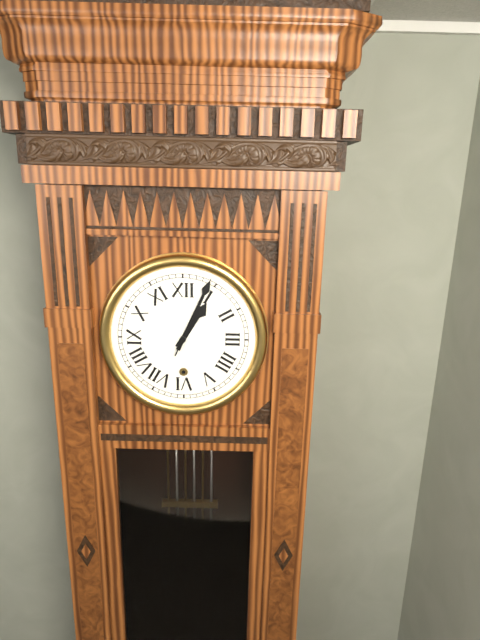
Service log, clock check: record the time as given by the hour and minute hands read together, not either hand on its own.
1:04
